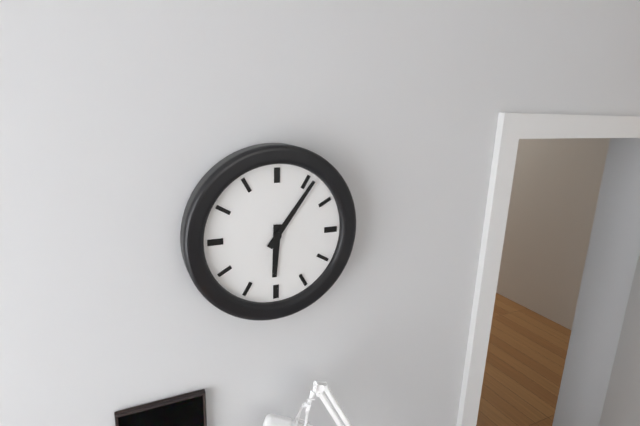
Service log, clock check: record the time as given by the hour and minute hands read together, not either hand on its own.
6:06
